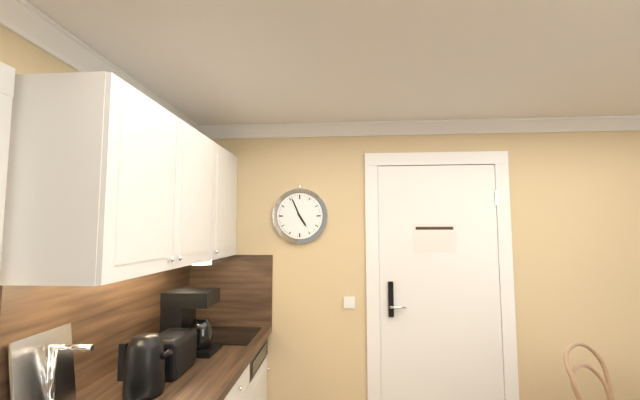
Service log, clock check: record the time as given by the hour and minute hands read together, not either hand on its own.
4:56
